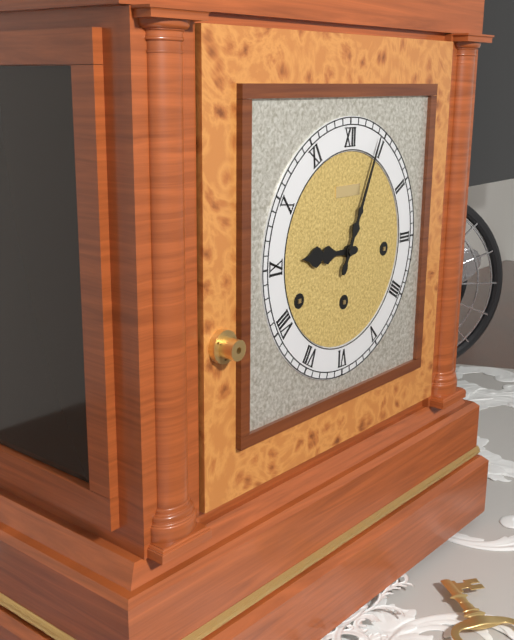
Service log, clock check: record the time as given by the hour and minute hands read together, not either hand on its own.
9:04
